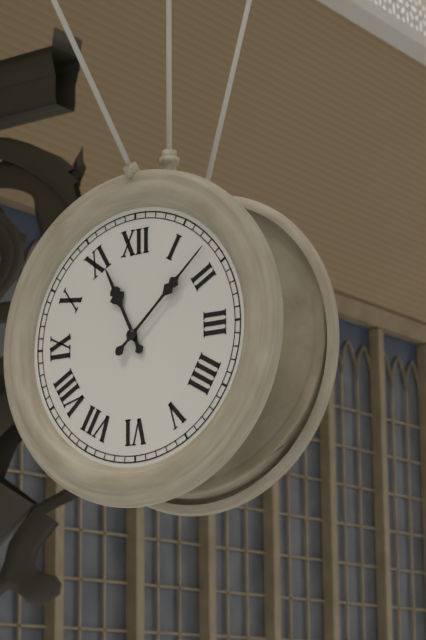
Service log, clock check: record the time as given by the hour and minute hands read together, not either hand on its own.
11:08
